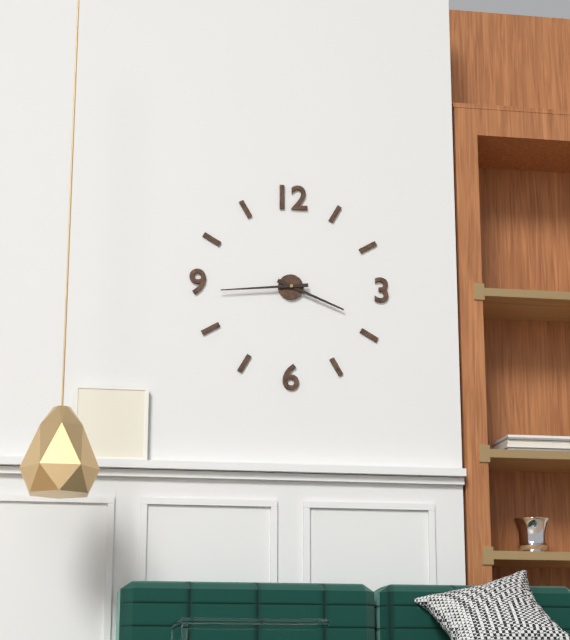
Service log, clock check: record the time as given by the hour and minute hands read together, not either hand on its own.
3:44
